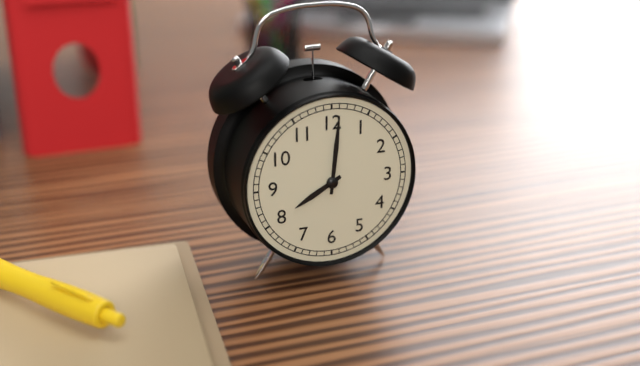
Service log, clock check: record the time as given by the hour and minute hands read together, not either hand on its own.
8:01
